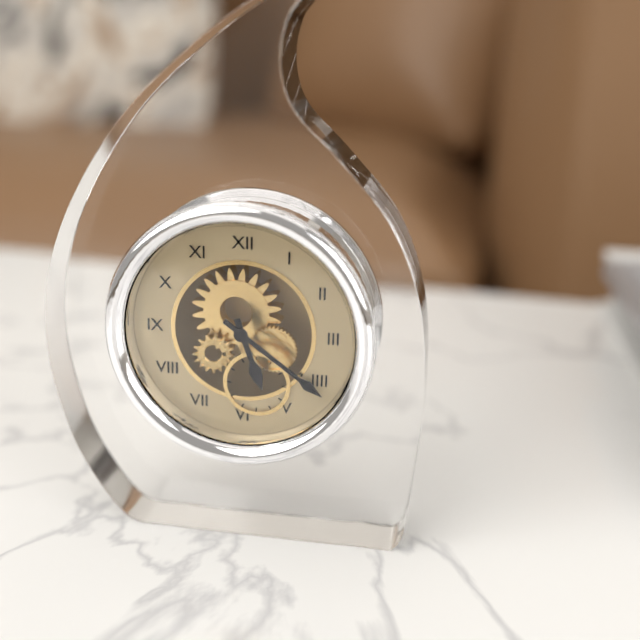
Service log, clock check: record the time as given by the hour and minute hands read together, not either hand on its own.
5:21
